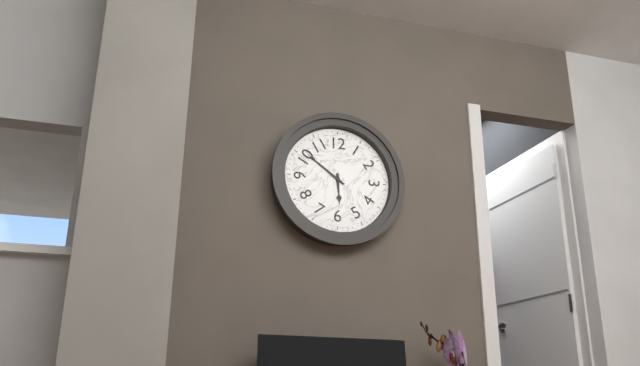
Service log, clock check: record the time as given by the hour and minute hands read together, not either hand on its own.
5:51
